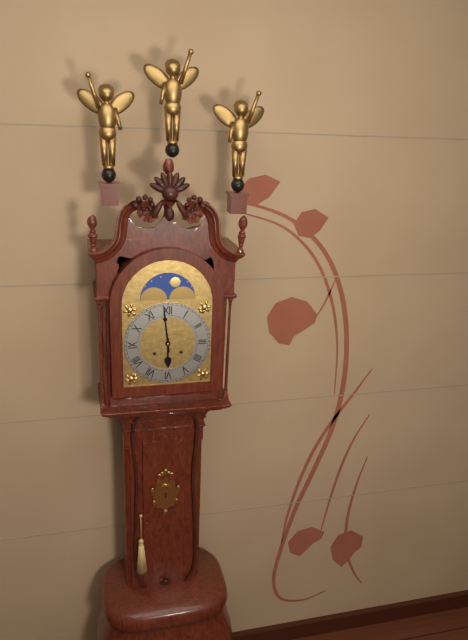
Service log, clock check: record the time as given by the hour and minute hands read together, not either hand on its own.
5:59
